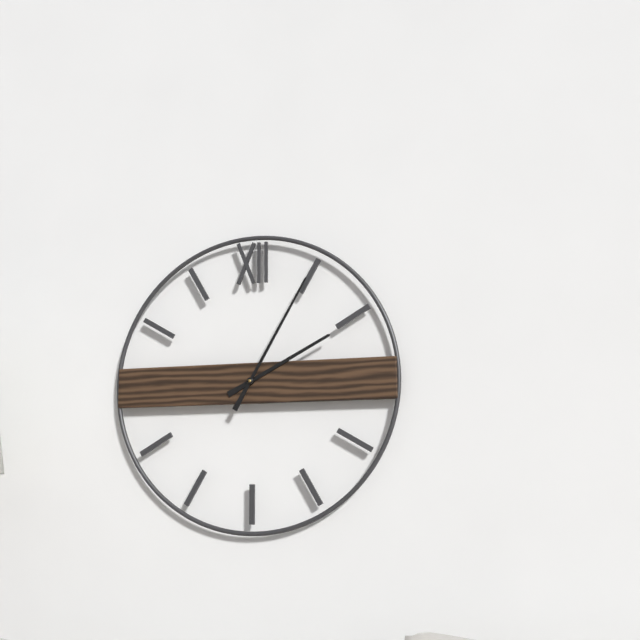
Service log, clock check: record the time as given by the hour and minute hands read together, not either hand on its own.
2:05
